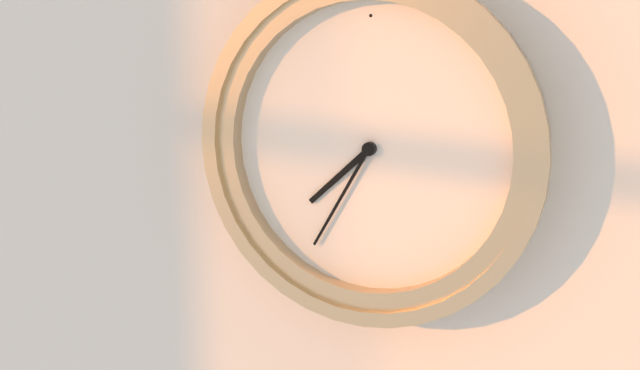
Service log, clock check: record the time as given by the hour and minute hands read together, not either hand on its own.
7:35
